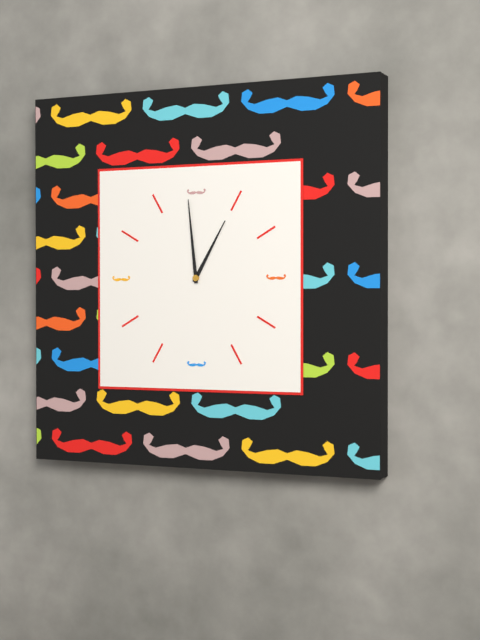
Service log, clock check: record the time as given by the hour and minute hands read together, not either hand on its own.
12:59
